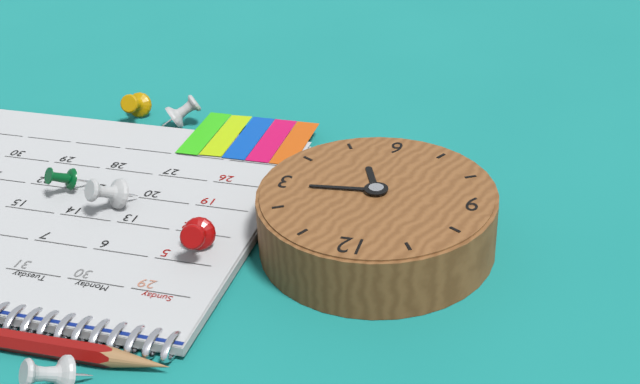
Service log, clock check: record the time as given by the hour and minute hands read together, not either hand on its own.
5:14
